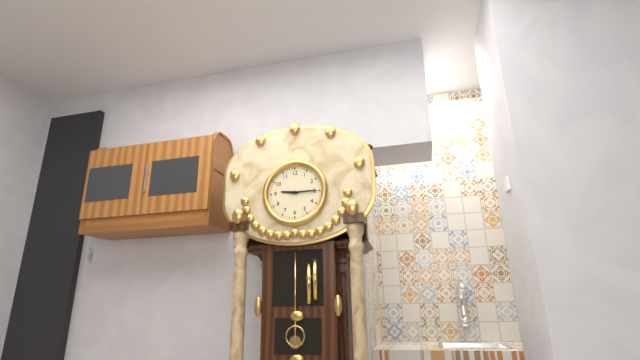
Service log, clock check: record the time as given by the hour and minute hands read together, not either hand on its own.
9:15
